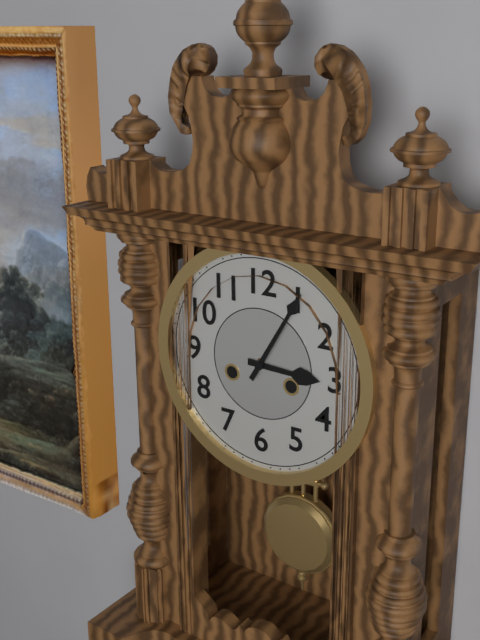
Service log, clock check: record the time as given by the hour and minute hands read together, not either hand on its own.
3:05
